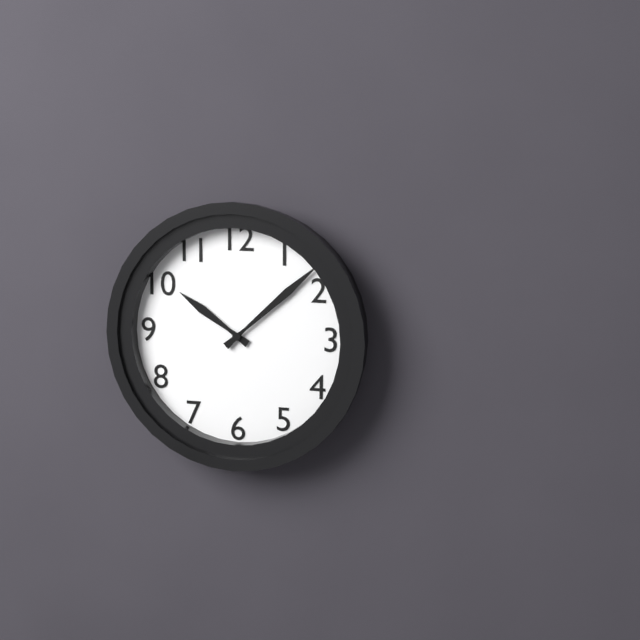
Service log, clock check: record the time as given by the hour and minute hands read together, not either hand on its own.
10:08
